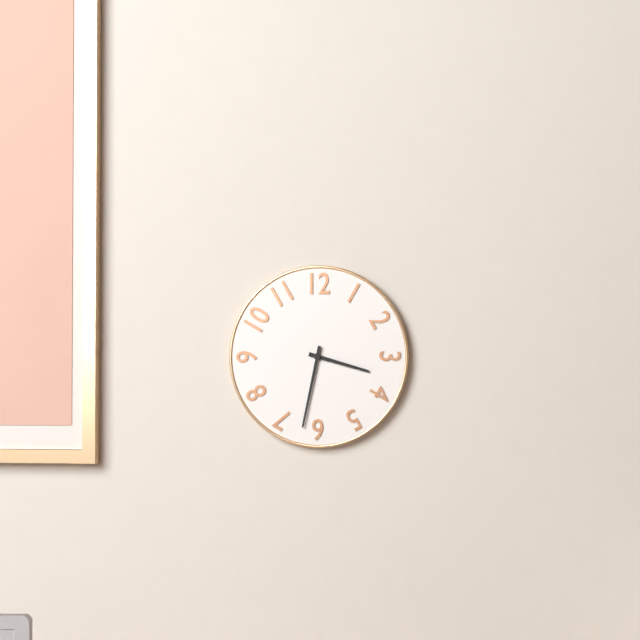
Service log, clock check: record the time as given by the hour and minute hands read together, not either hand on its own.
3:32
